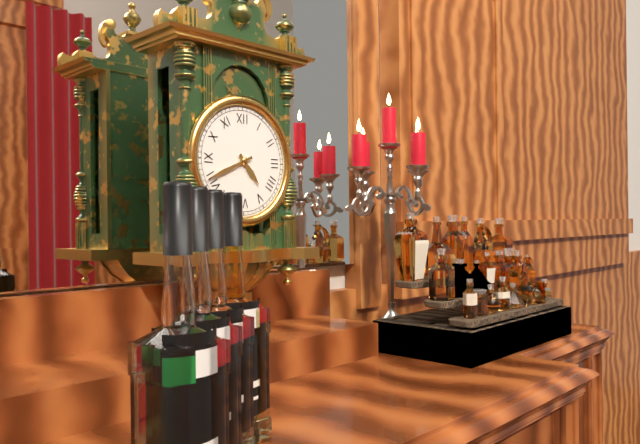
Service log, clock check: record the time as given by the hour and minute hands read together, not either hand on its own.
4:41
